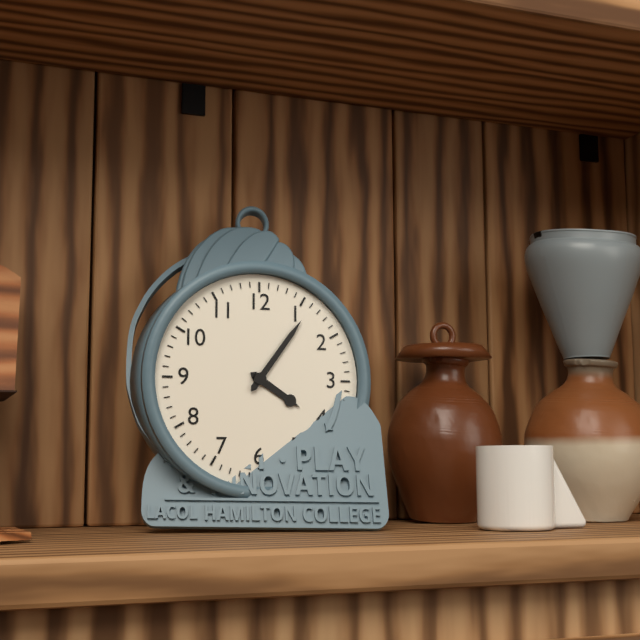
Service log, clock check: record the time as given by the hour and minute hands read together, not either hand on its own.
4:06
